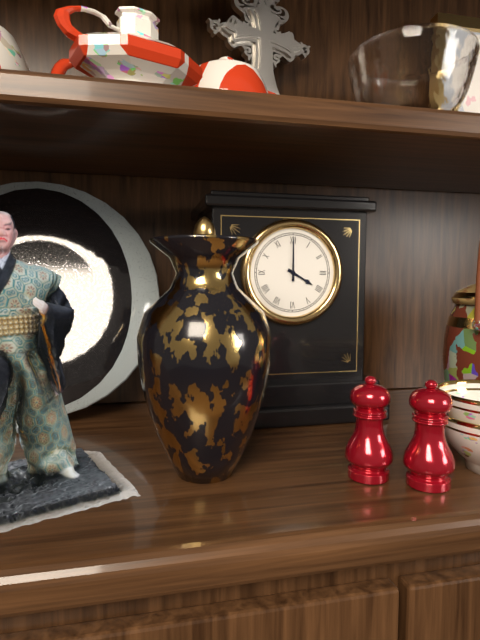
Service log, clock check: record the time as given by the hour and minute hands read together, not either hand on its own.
4:00
